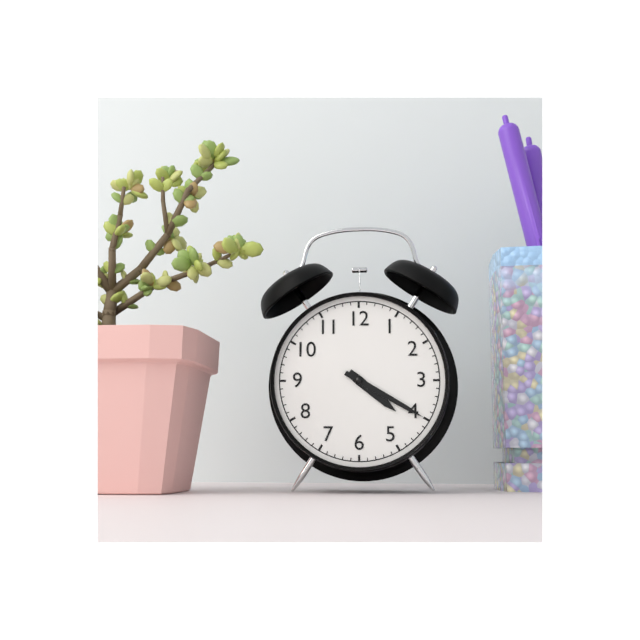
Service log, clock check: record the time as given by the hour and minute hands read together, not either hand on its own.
4:20
